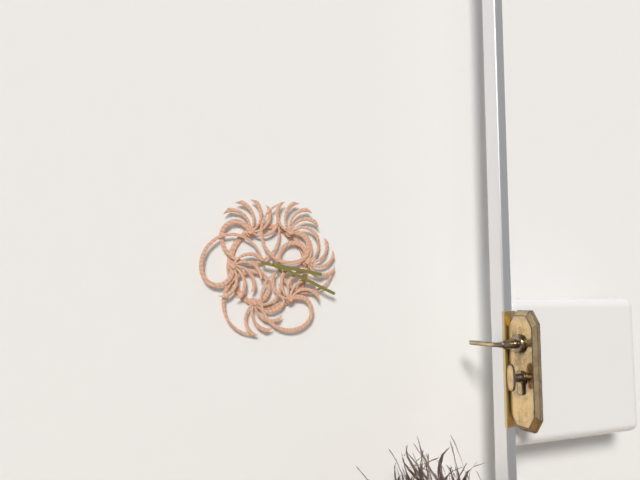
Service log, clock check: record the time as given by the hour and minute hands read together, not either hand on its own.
3:19
